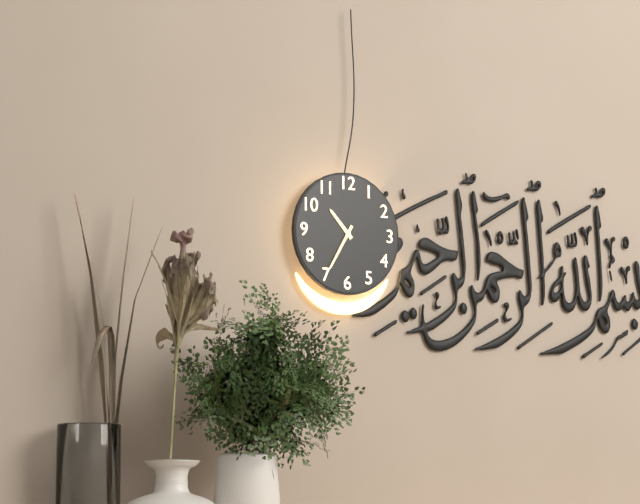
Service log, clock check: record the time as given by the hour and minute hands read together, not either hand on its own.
10:35
